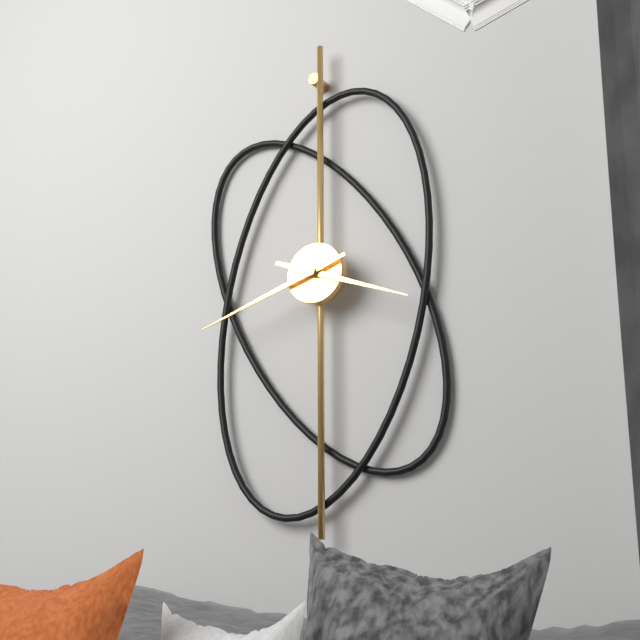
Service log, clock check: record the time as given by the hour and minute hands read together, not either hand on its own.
3:42
